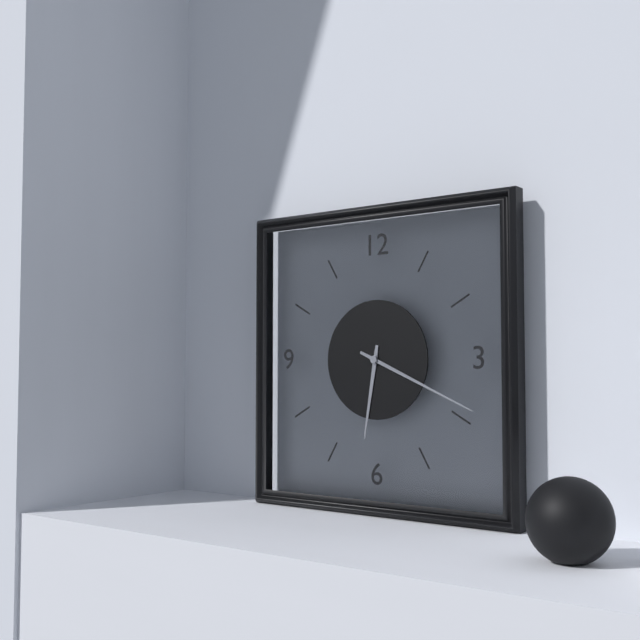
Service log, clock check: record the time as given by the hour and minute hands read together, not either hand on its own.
6:19
